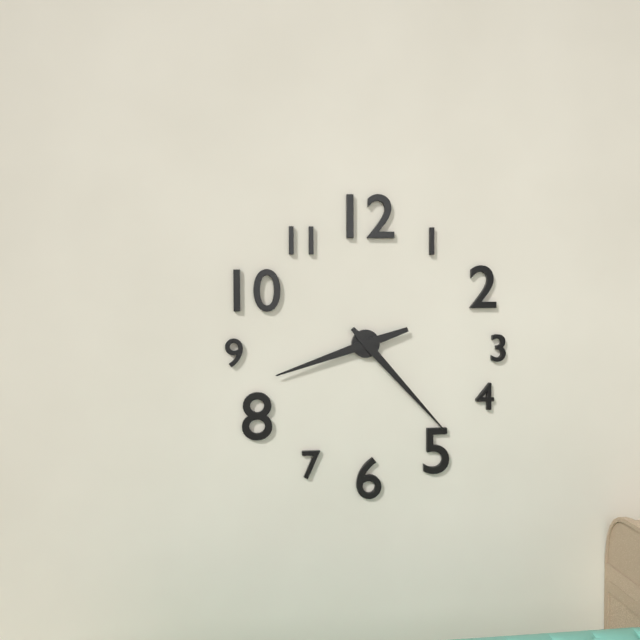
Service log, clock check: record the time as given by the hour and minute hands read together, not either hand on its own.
8:23
